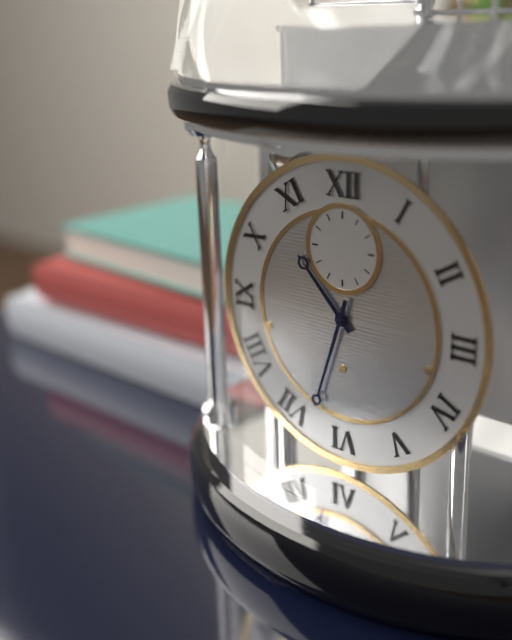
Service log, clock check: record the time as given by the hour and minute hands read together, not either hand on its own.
10:33
